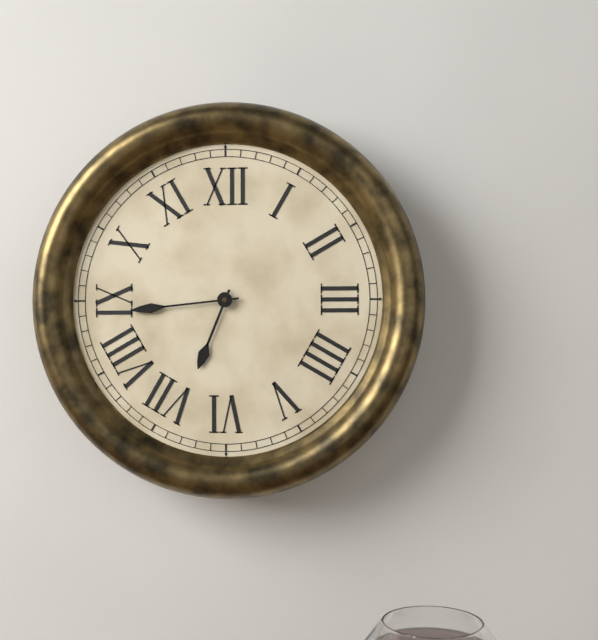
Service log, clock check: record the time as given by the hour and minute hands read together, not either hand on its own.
6:44
